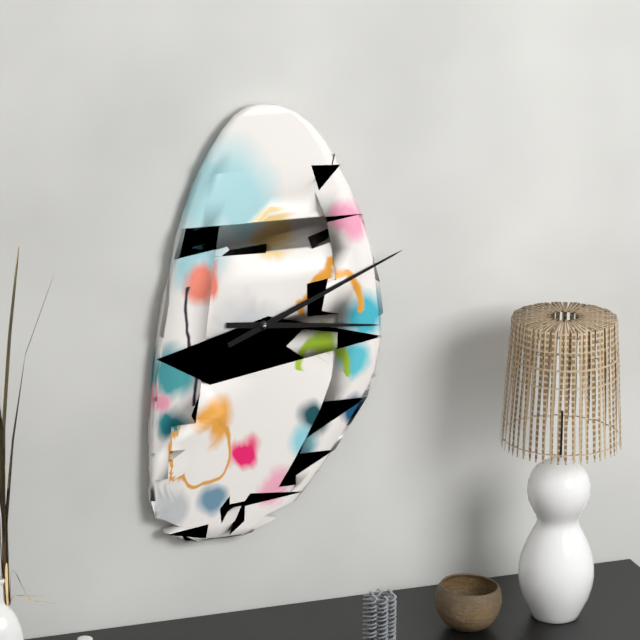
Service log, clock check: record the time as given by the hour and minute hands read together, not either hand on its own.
3:11
